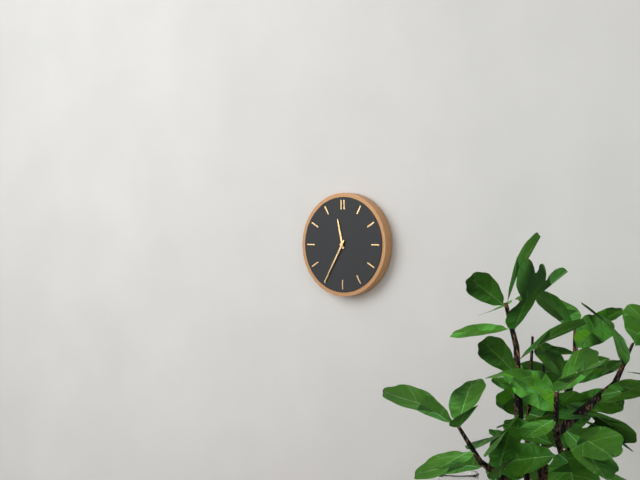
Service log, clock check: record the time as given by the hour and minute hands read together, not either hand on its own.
11:35
